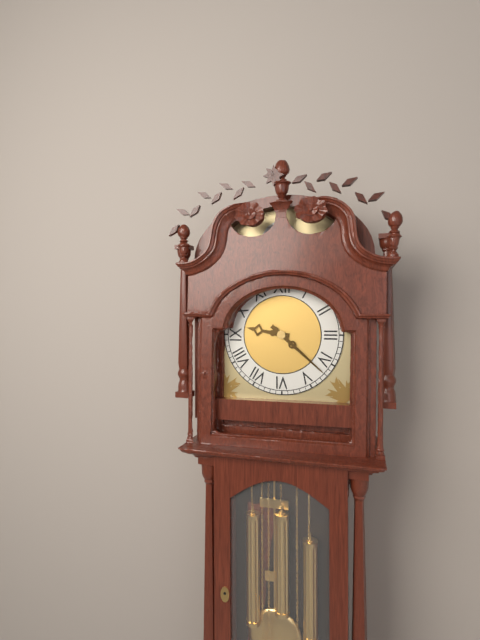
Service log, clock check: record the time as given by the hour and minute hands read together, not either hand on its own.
9:22
